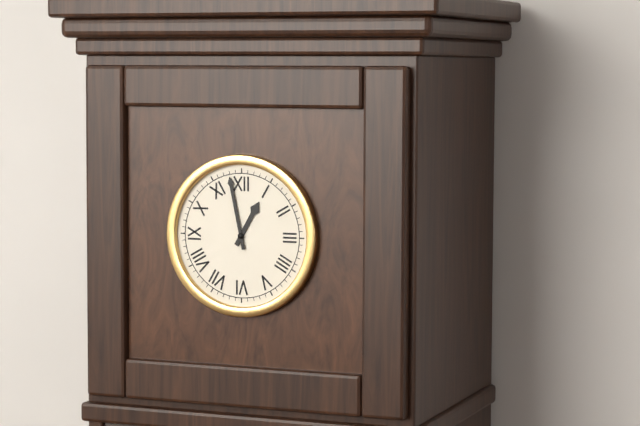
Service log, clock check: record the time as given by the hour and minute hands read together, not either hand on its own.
12:58
